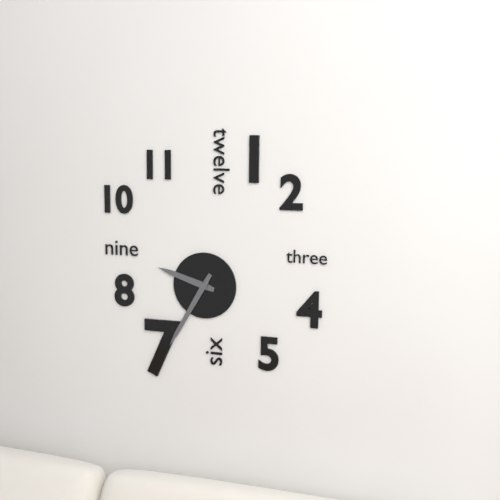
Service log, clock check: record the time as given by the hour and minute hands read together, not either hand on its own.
9:35
